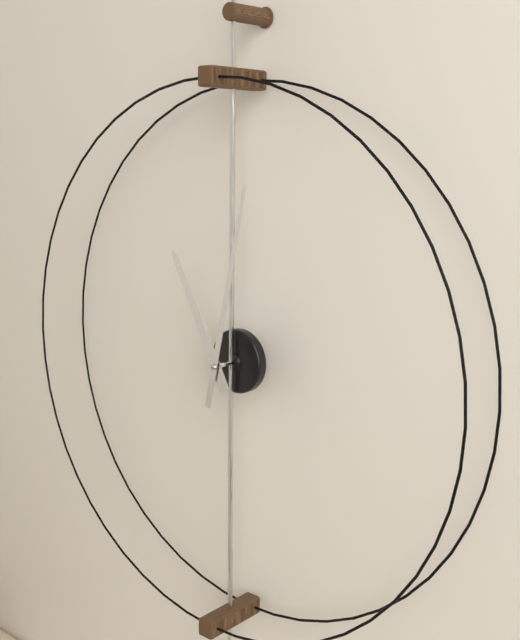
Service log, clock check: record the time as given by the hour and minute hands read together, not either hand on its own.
11:02
